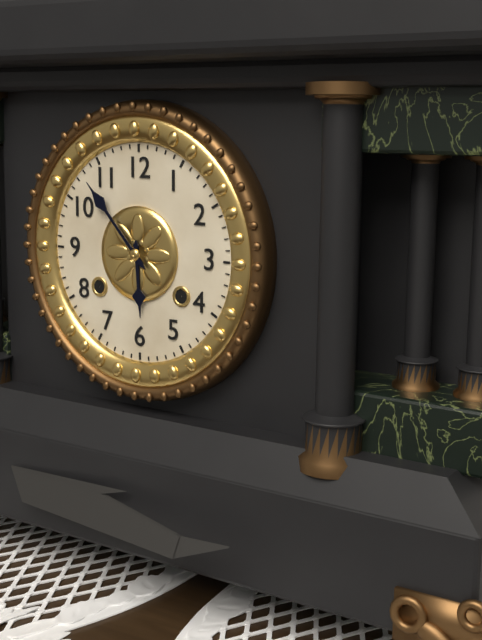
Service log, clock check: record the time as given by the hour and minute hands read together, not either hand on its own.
5:53
